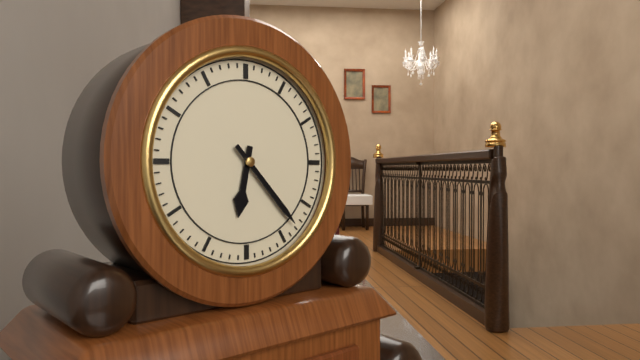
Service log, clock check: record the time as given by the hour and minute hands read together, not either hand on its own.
6:23
